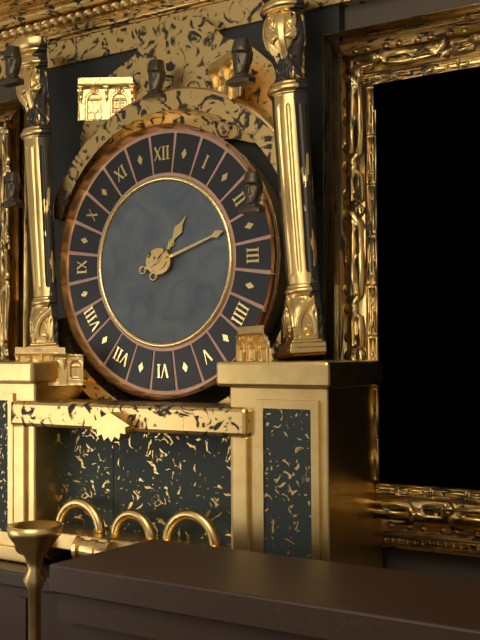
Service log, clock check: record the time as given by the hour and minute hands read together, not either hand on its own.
1:12
